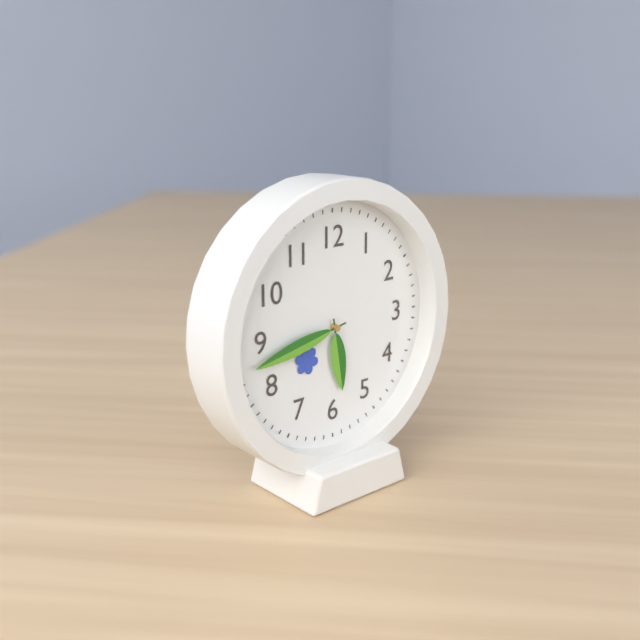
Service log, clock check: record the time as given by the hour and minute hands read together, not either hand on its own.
5:43
